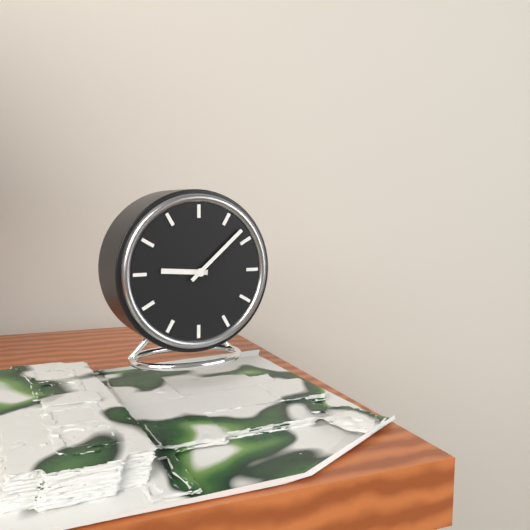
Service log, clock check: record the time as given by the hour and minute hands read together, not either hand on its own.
9:08
